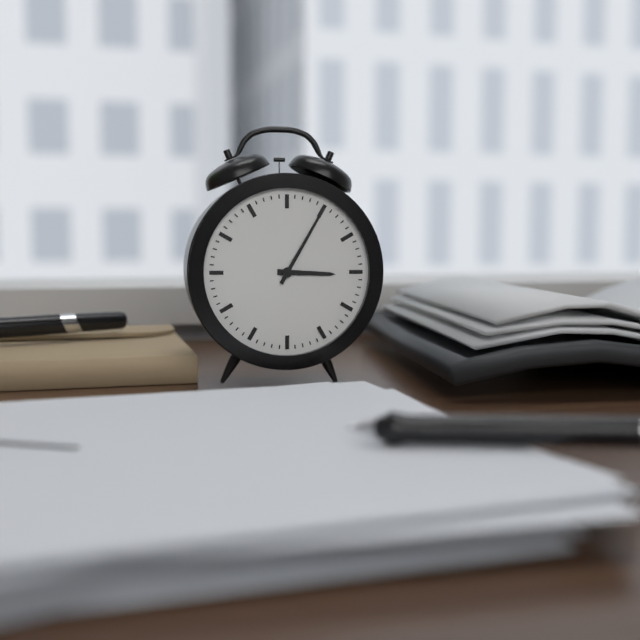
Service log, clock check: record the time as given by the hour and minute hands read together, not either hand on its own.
3:05
